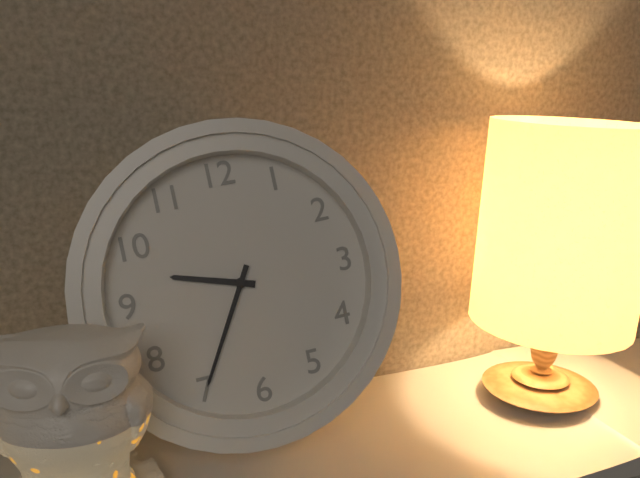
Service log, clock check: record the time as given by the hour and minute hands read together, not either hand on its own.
9:35
